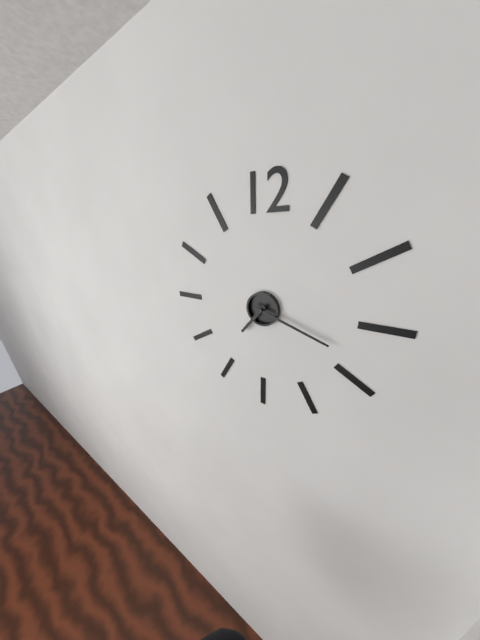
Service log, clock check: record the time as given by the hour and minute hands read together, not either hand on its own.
7:18
